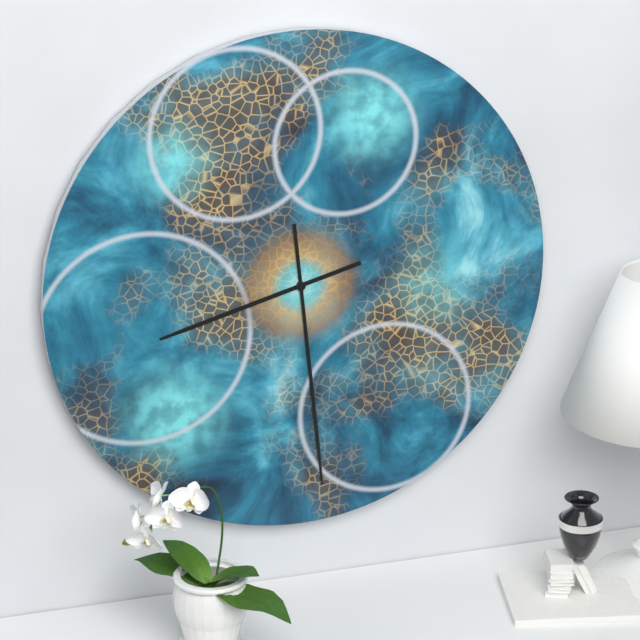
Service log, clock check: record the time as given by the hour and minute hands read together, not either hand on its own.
8:29
